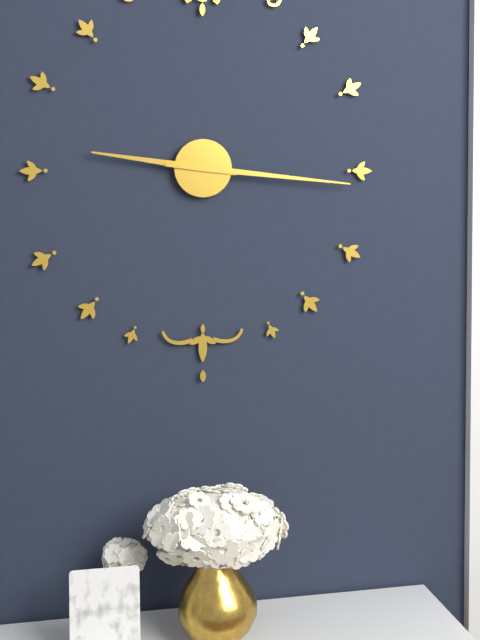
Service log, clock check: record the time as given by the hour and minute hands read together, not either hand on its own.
9:16
